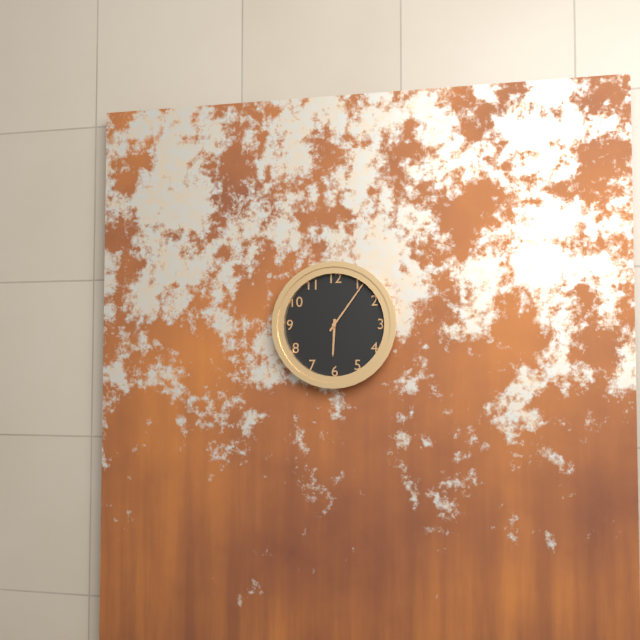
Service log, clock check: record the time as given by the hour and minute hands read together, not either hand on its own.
6:06
